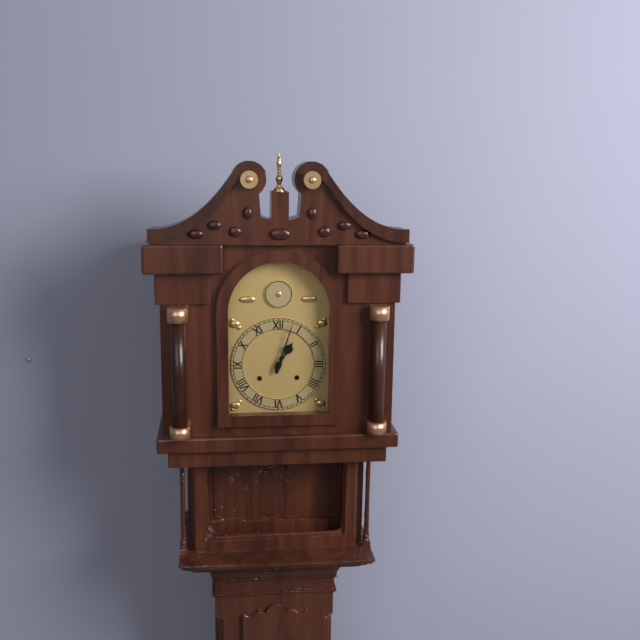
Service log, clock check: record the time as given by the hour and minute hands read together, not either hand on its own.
1:03
